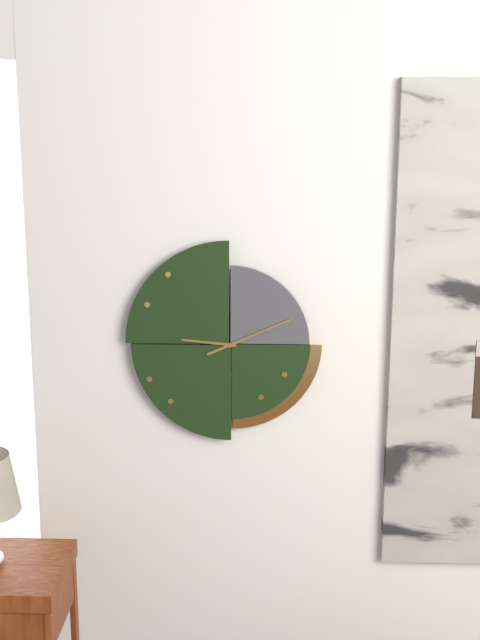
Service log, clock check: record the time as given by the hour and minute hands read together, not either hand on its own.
9:11
